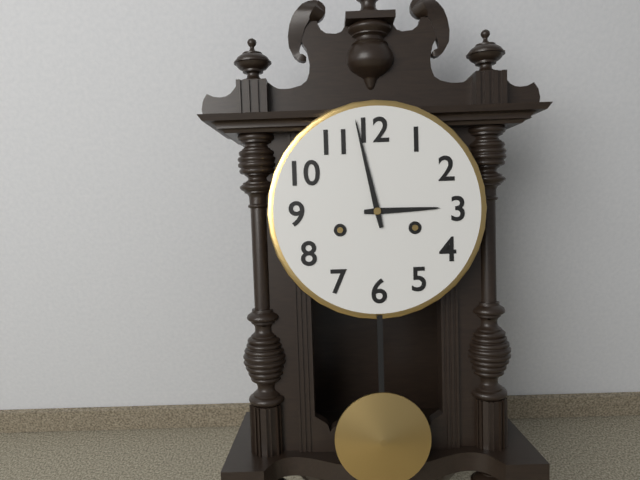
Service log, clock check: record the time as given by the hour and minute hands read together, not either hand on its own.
2:58
